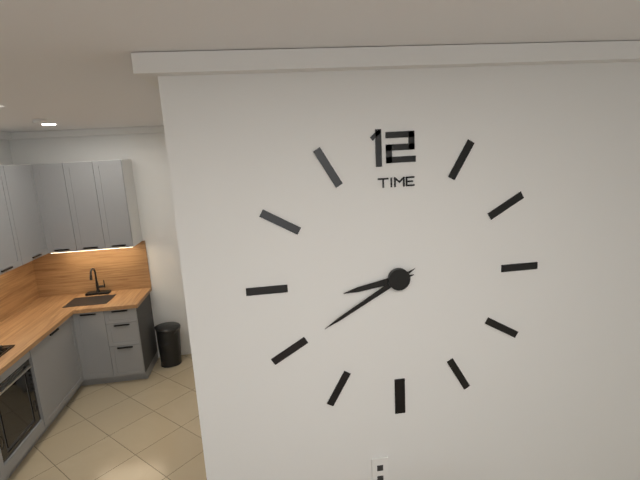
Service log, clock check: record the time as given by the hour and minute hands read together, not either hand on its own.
8:40
